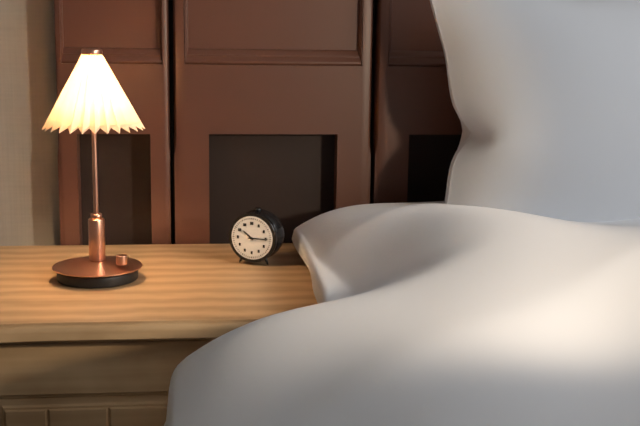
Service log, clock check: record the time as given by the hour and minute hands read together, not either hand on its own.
10:15
